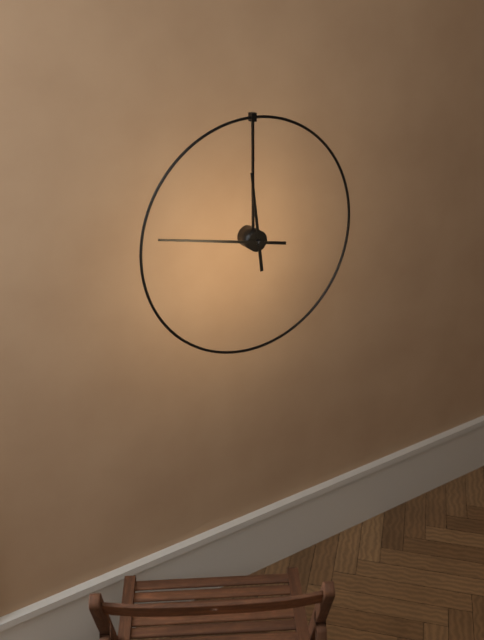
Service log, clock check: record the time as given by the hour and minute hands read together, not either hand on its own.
11:47
